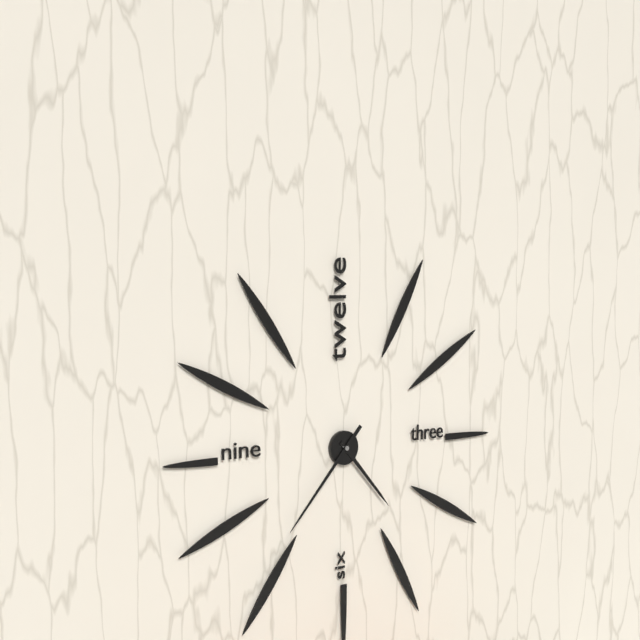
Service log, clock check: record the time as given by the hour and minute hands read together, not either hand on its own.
4:37
